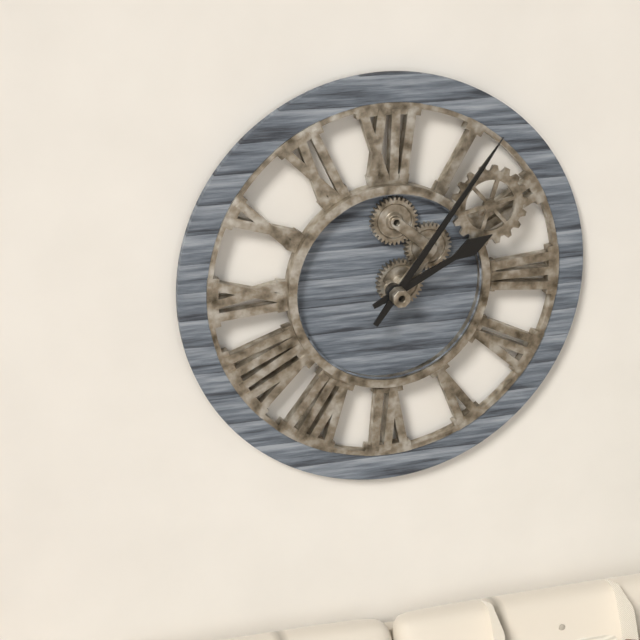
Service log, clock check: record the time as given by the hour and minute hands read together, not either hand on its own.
2:06
